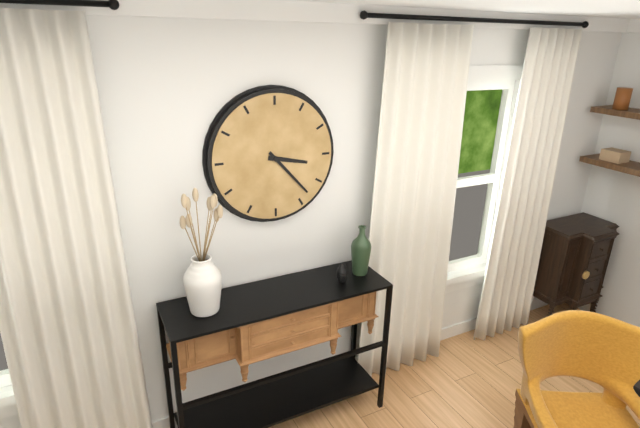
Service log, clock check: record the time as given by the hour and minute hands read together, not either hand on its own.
3:23
